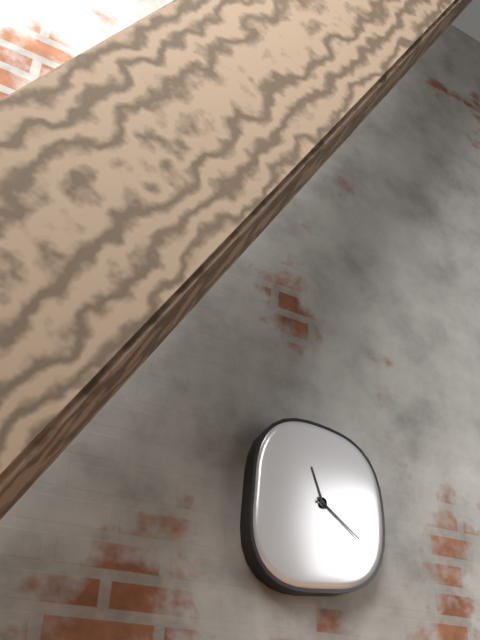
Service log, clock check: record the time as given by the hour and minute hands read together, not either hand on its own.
11:21
